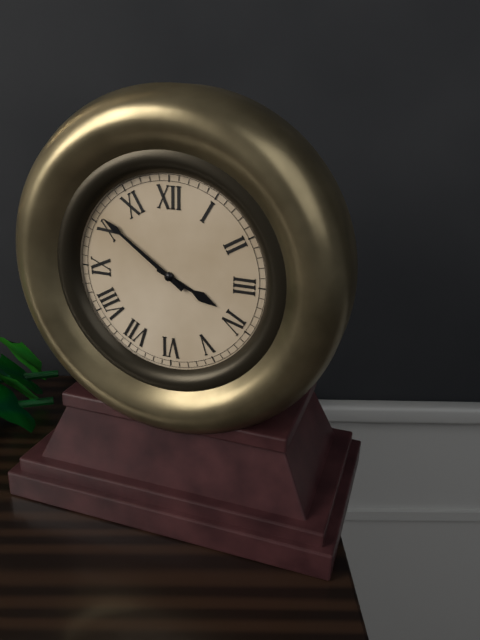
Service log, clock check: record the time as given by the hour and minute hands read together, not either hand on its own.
3:51
